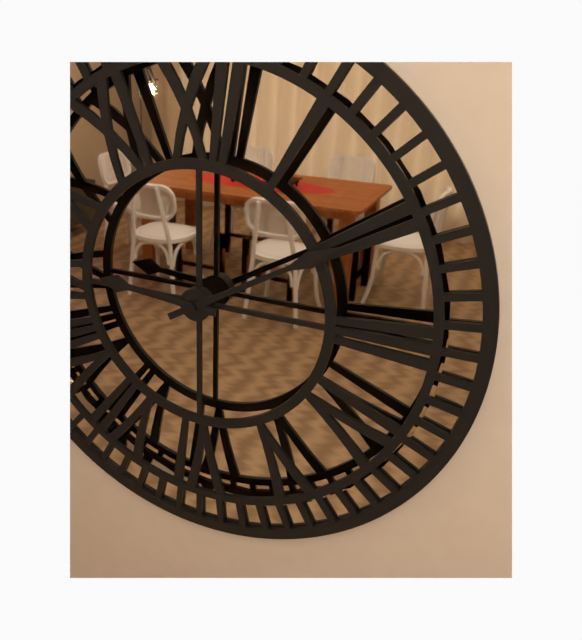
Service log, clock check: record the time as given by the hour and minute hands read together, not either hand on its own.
9:10
